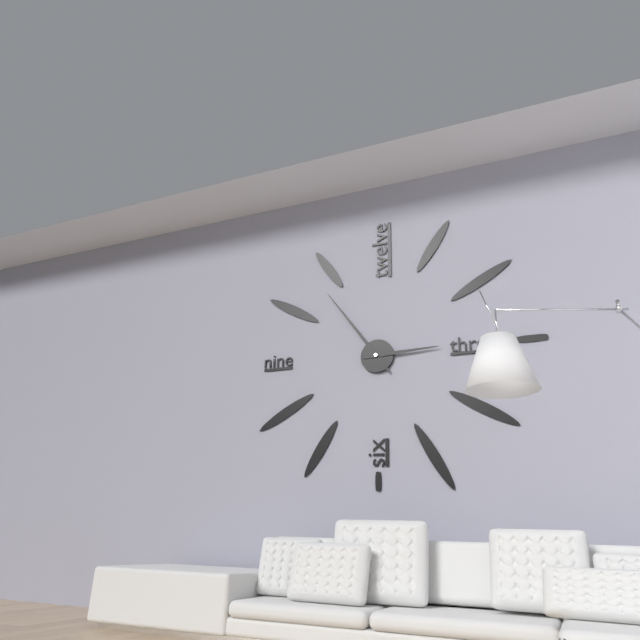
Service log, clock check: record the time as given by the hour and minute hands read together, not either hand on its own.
2:54
